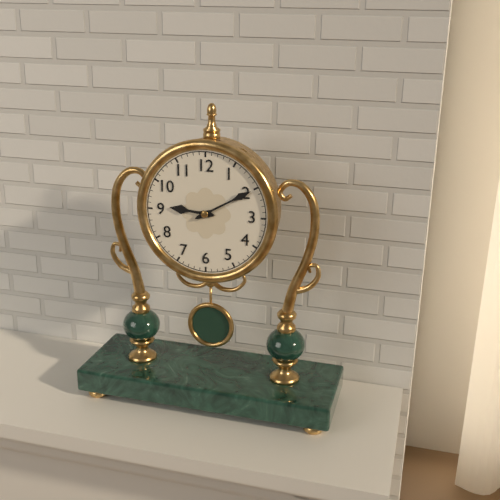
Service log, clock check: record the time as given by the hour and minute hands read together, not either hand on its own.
9:10
